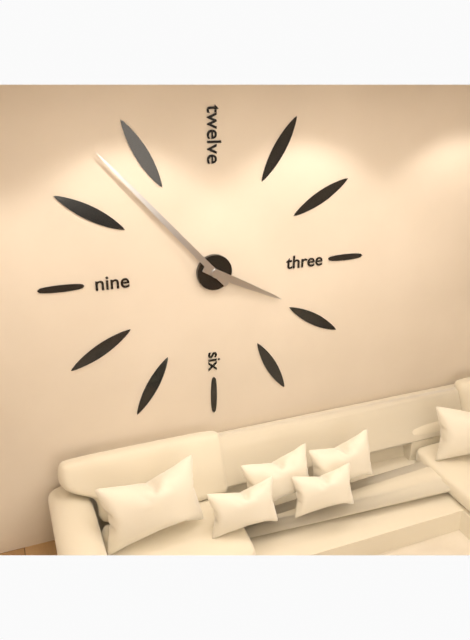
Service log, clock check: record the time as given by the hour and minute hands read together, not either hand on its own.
3:53
